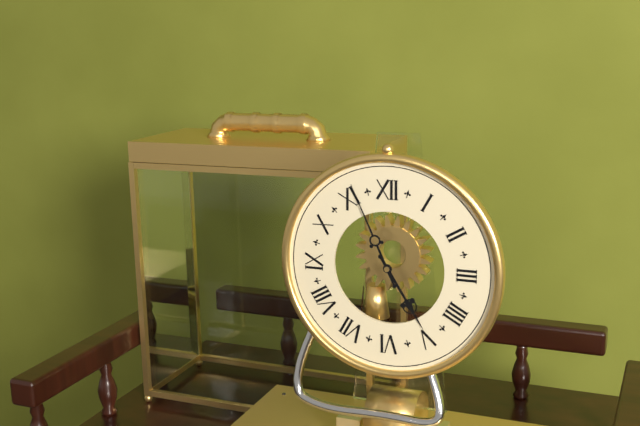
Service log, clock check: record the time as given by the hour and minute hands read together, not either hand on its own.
4:56
